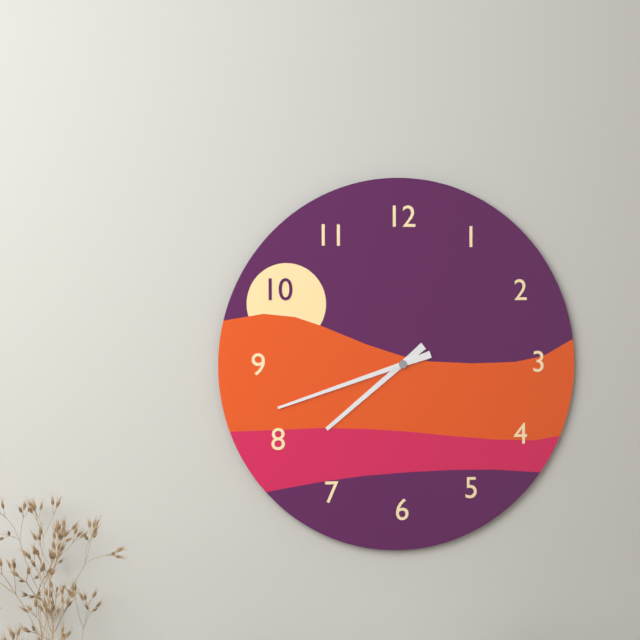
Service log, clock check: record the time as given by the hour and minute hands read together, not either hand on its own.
7:42
